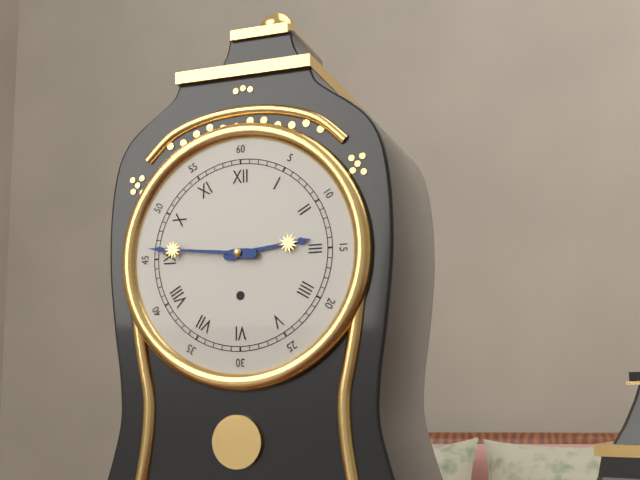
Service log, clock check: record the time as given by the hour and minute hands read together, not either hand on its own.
2:46
